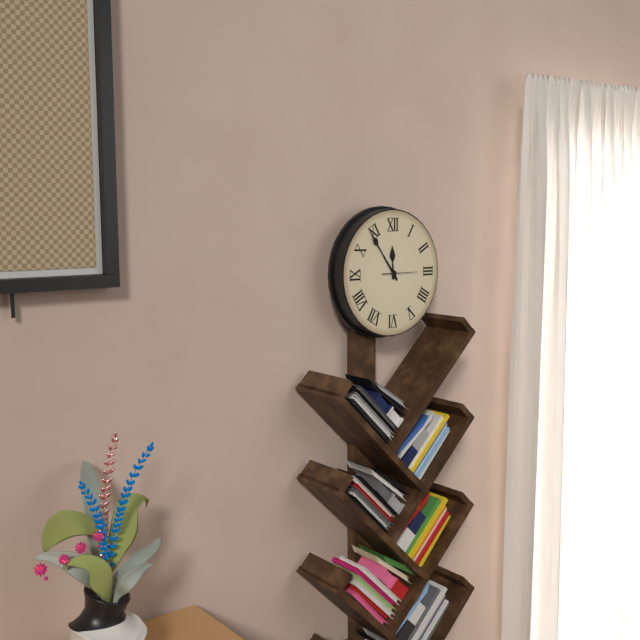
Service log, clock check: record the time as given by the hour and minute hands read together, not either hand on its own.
11:54
